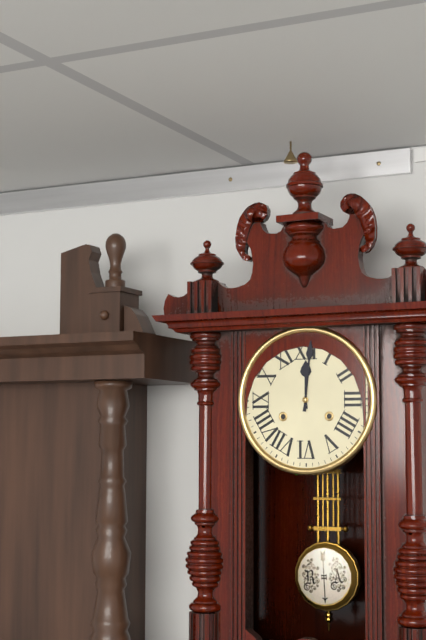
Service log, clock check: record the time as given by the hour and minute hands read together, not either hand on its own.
12:01
